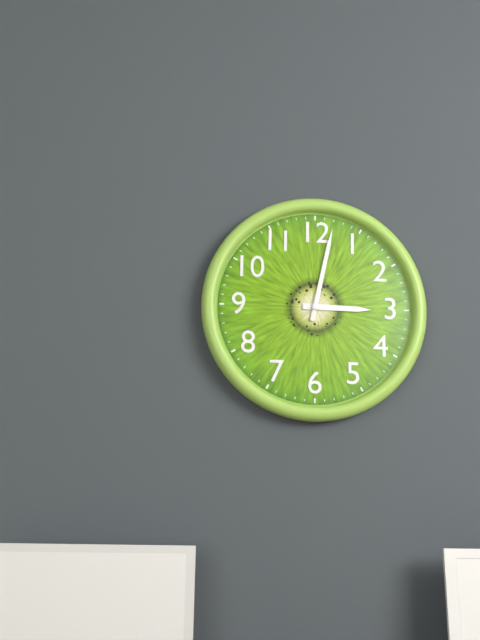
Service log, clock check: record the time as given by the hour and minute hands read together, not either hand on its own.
3:02
